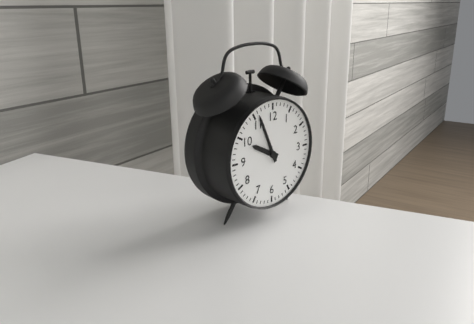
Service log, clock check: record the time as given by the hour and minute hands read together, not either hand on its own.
9:56
